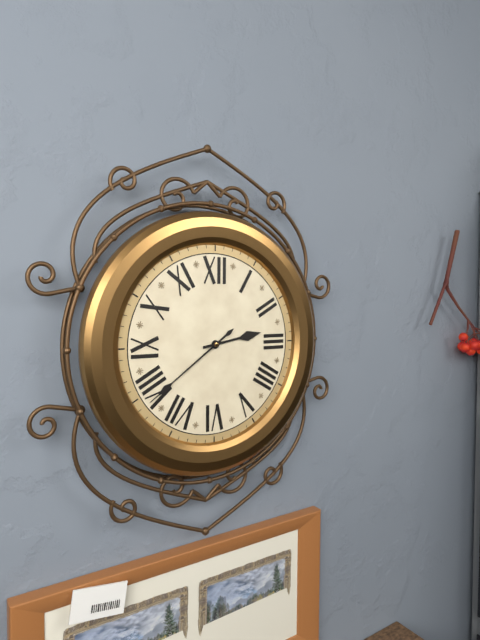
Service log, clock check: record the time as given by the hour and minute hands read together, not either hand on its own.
2:39
